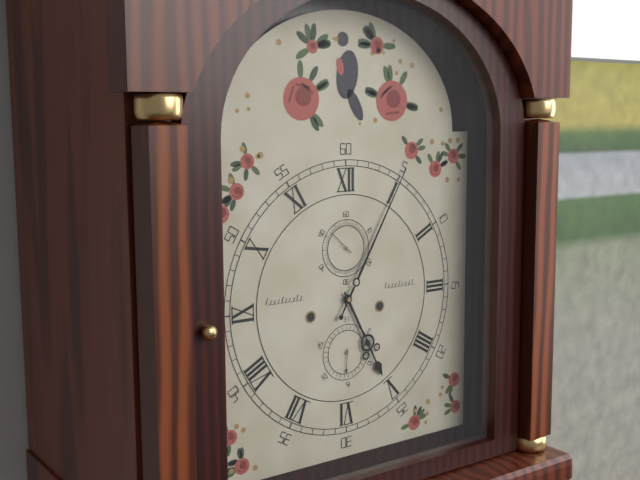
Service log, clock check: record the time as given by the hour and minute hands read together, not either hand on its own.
5:05
